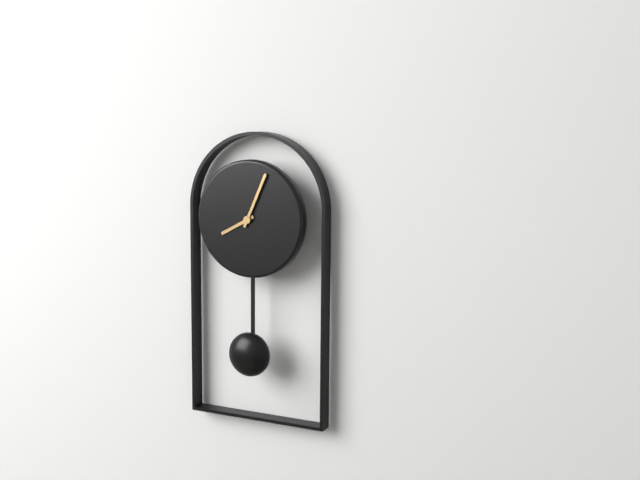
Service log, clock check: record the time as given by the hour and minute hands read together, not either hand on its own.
8:04
